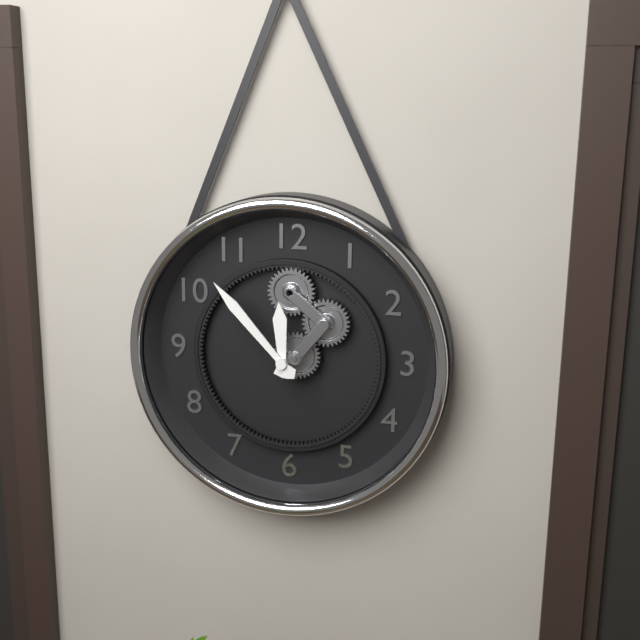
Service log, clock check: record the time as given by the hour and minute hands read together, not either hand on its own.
11:53
